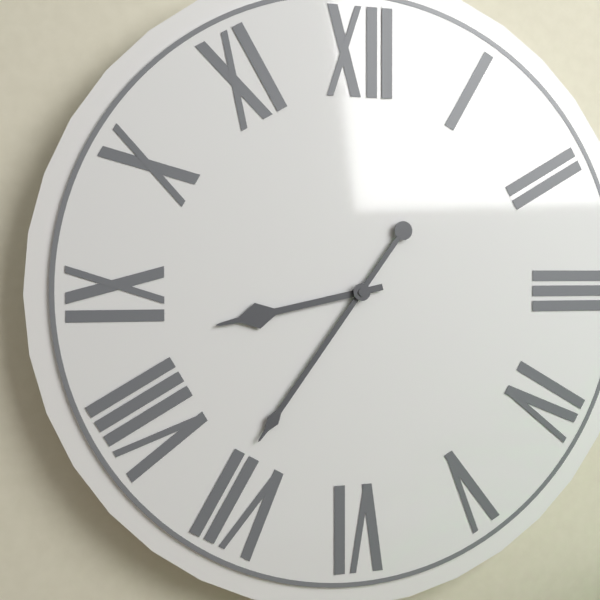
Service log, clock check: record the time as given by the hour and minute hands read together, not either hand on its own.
8:36
